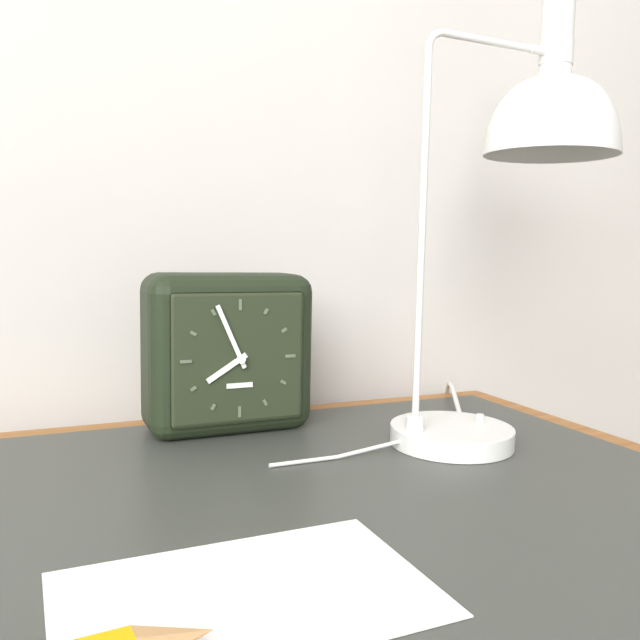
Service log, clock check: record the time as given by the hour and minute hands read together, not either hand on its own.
7:56
